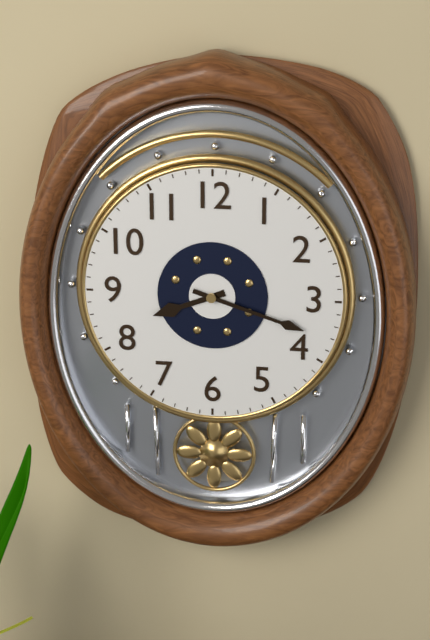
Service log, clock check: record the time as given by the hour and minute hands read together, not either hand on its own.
8:18
